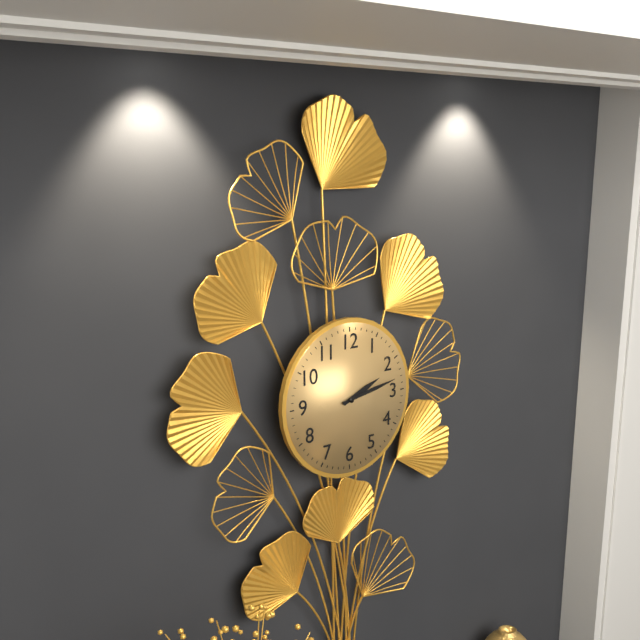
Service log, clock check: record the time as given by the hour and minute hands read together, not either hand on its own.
2:13
